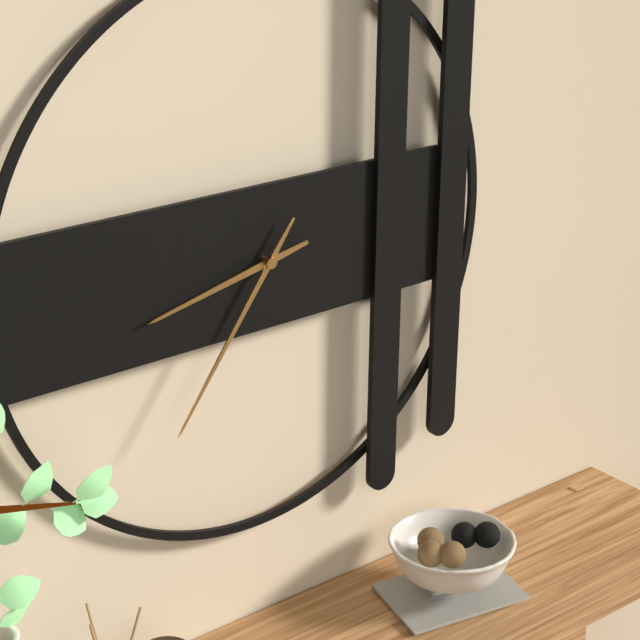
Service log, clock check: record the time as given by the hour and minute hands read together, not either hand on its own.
8:36
